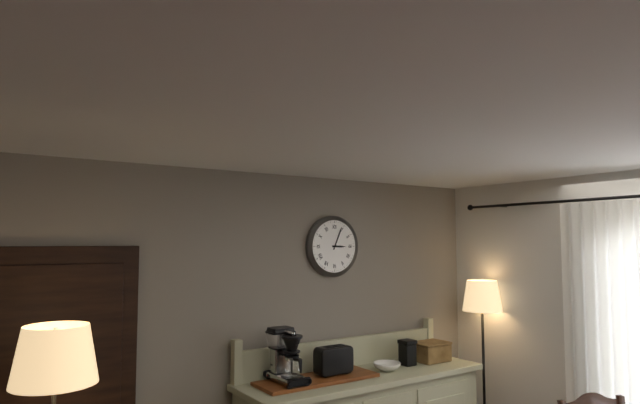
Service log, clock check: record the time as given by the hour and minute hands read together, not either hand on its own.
3:04
